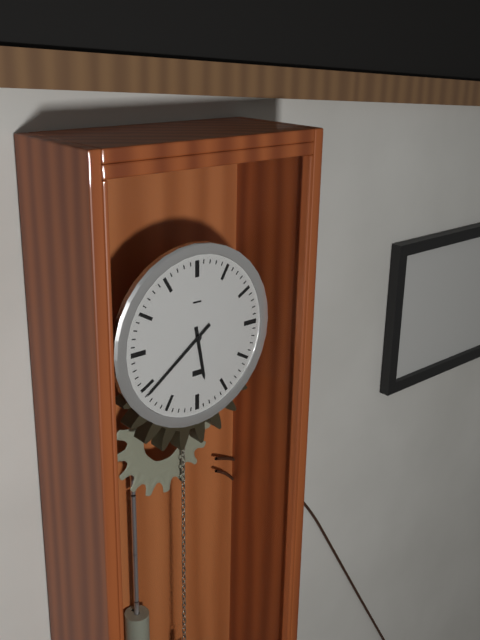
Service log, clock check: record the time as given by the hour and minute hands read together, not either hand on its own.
5:39
